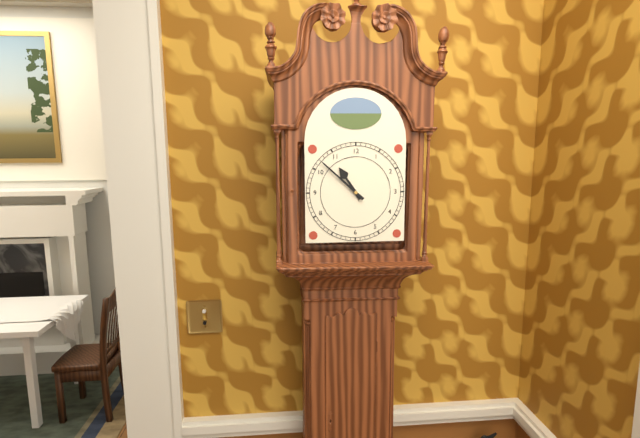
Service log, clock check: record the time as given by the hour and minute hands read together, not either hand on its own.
10:52
